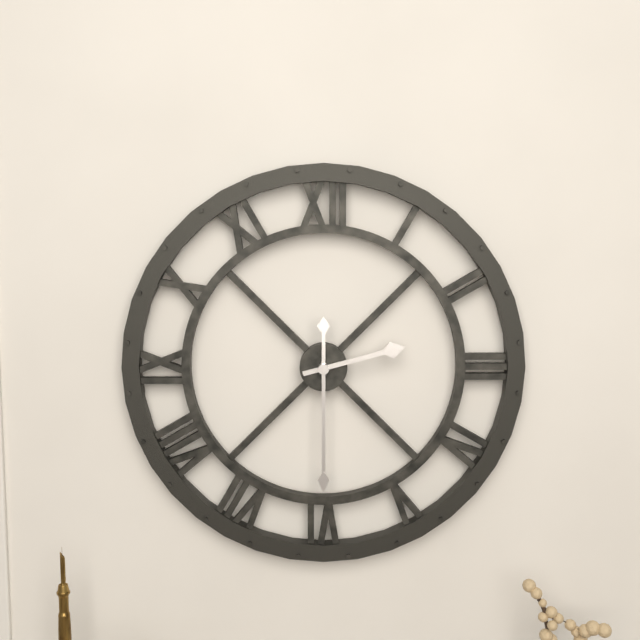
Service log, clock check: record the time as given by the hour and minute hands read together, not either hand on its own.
2:30
